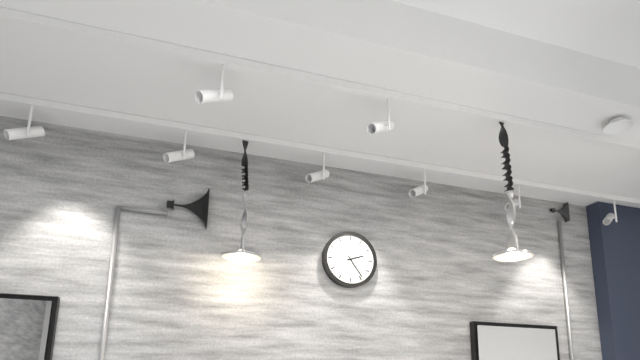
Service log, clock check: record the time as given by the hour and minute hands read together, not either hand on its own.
2:24
